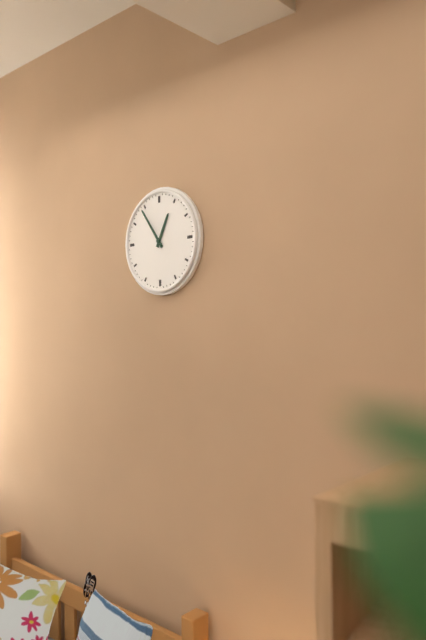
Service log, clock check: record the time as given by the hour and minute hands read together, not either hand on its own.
12:54
